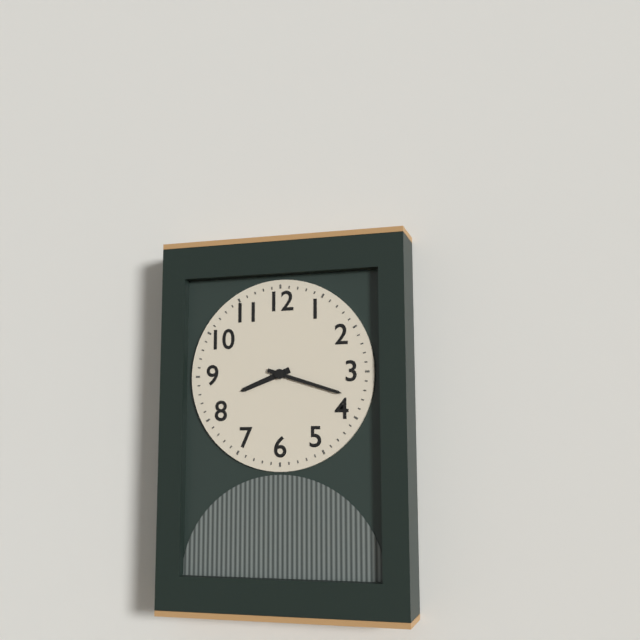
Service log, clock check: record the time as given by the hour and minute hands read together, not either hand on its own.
8:18
